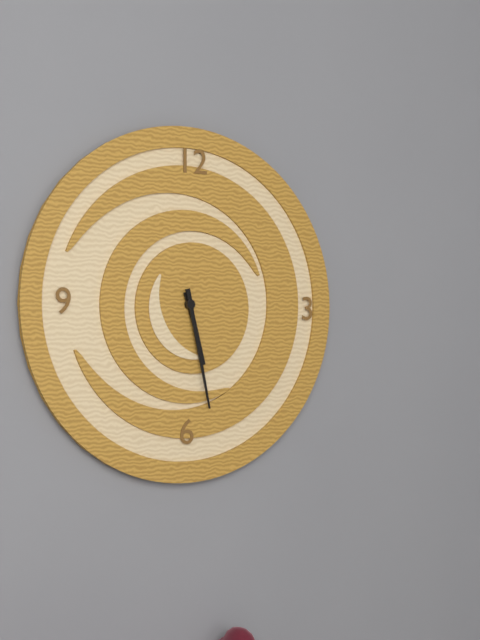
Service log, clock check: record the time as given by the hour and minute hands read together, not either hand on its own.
5:28
